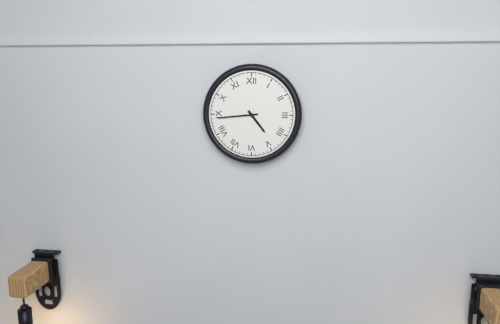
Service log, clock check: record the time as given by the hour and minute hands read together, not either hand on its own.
4:44
